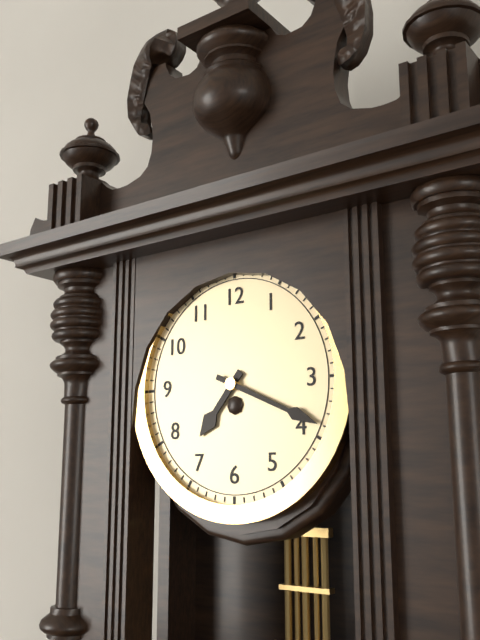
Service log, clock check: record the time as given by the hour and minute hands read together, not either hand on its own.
7:19
